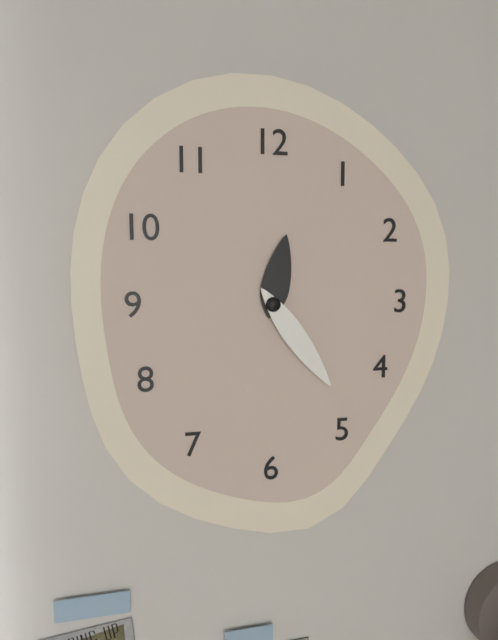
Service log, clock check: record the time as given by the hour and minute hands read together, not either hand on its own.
12:24
